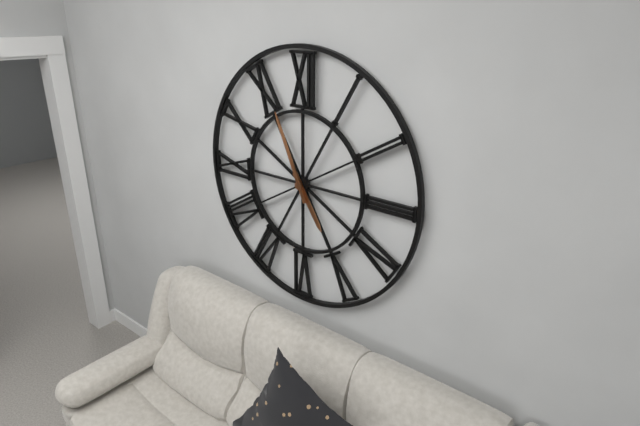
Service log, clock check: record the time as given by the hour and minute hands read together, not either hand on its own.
4:56
